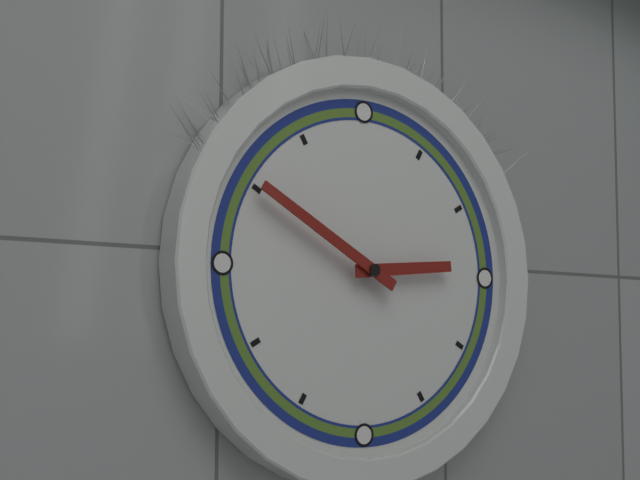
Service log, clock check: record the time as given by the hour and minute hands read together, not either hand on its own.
2:50
